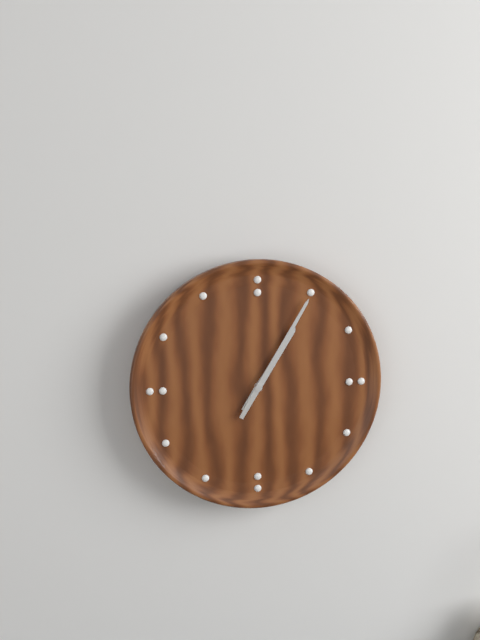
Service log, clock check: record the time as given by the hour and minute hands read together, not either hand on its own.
1:05
